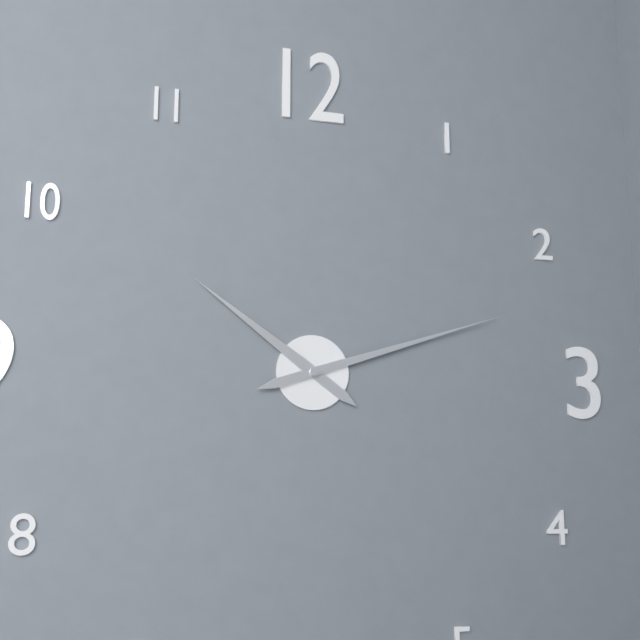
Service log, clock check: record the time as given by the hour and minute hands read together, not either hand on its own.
10:12
